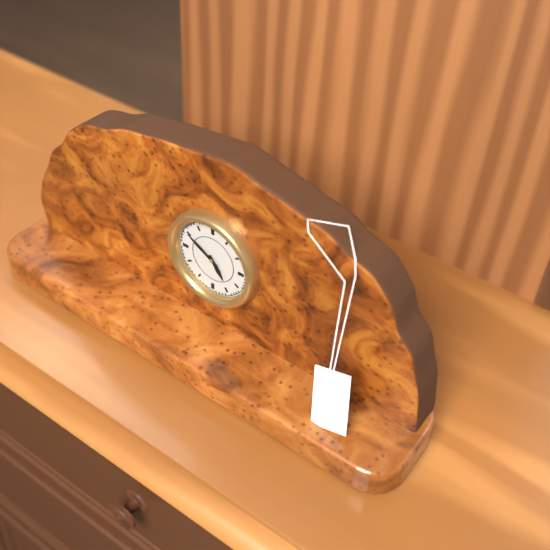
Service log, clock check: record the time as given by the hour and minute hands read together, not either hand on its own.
4:50
